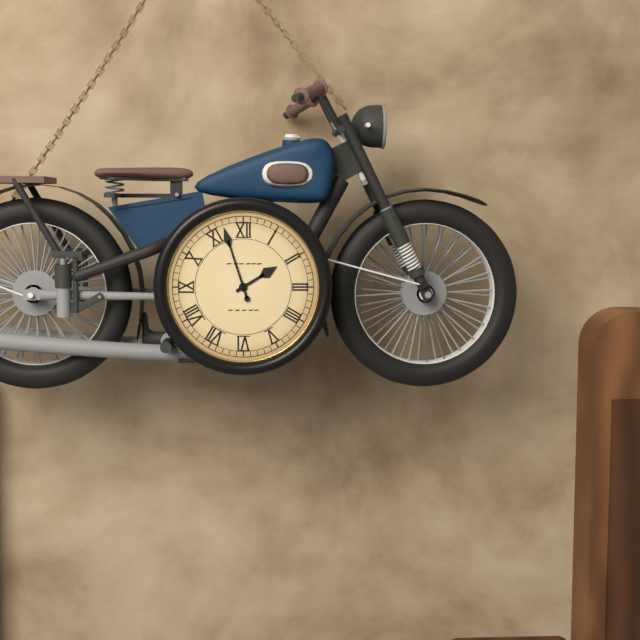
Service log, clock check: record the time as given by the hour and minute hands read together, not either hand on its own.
1:57
